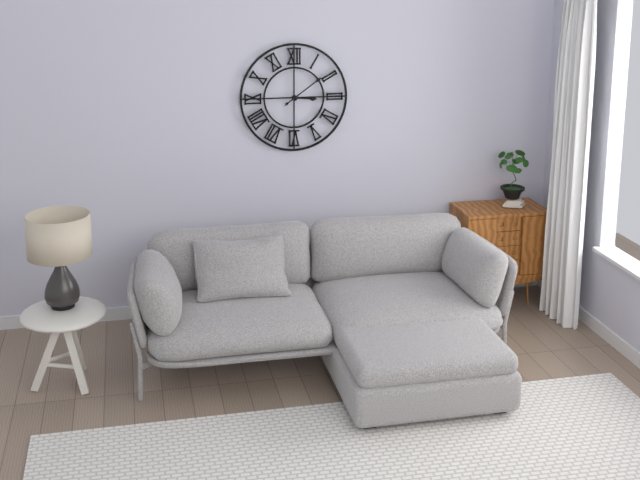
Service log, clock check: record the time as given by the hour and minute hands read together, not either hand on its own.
3:09
